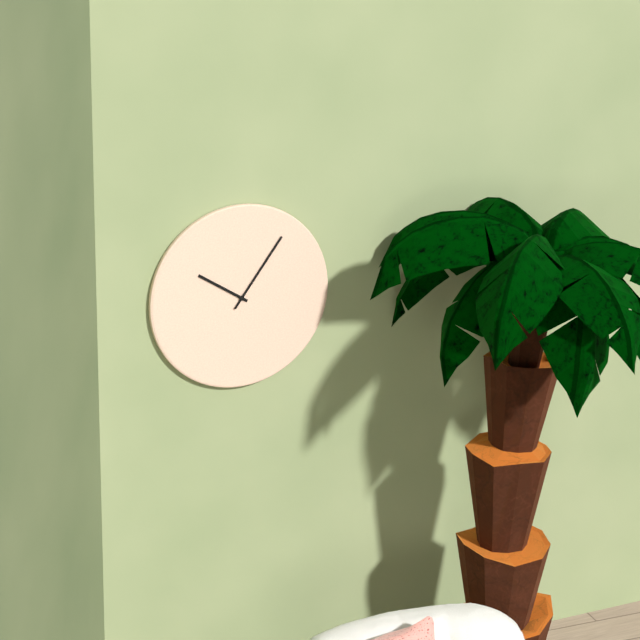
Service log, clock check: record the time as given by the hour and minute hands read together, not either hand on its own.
10:06
